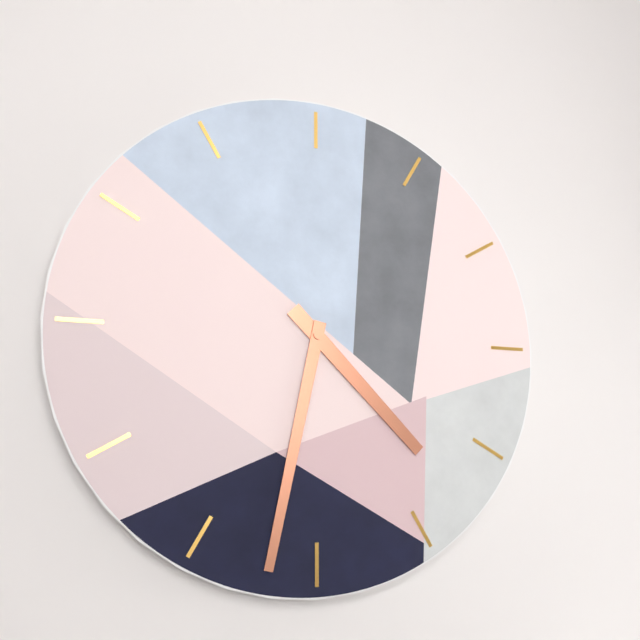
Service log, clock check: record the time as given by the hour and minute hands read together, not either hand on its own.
4:32
